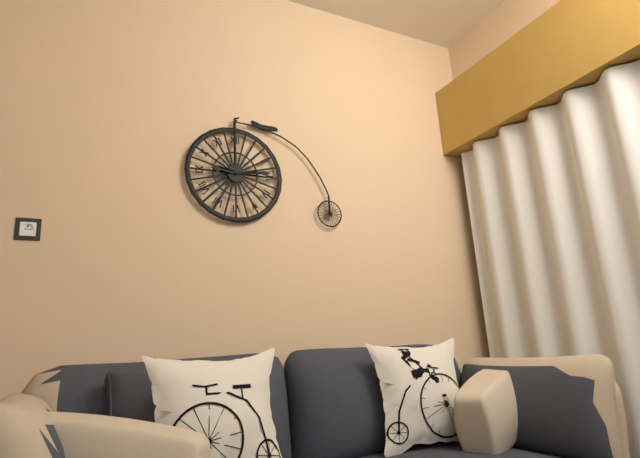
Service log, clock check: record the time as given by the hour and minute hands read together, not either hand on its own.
9:14
